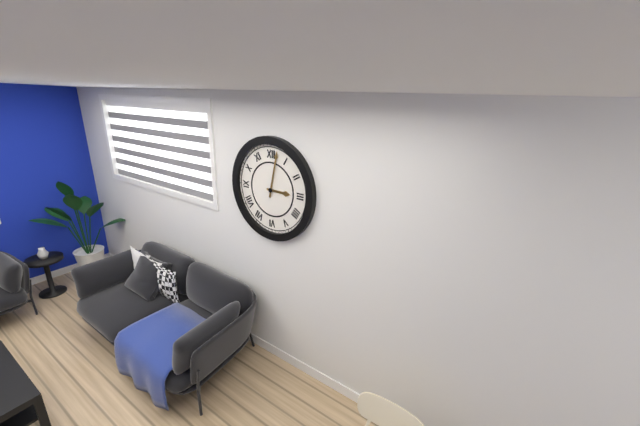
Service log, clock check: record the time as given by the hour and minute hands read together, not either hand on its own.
3:02
